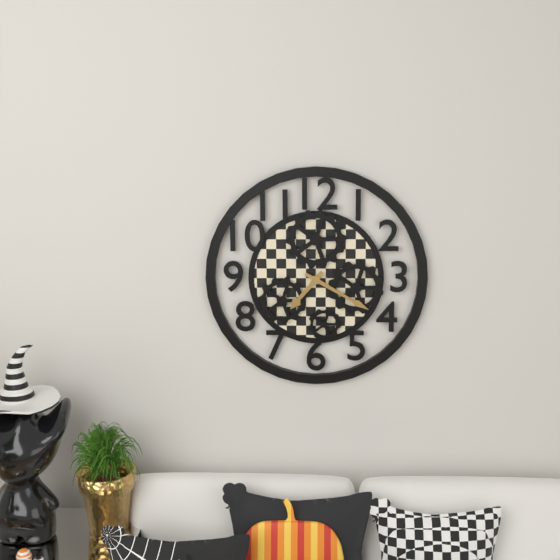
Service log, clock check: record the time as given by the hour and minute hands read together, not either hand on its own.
7:20
